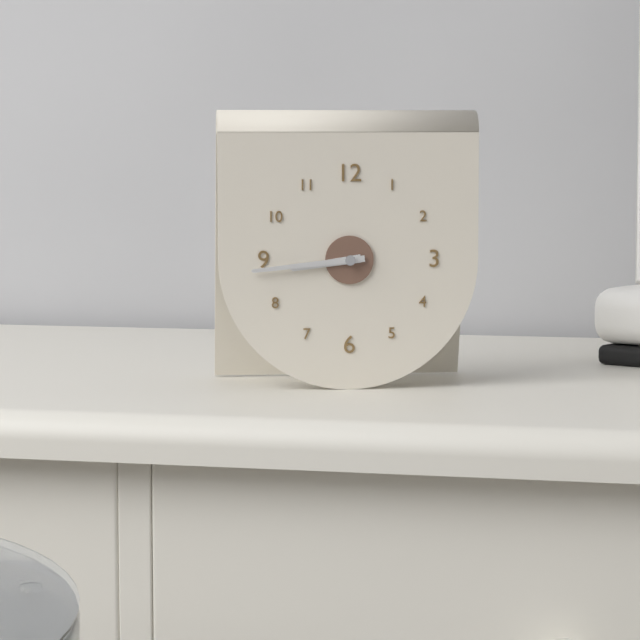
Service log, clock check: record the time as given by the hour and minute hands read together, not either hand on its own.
8:44
